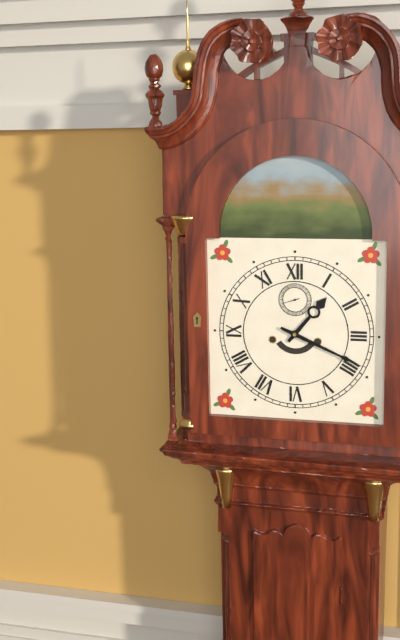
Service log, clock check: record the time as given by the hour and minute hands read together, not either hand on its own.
1:19
